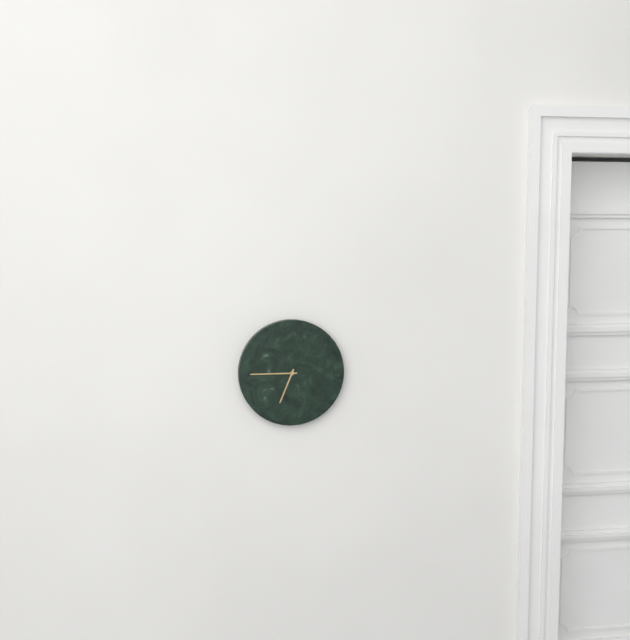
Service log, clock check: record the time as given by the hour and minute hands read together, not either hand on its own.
6:45
